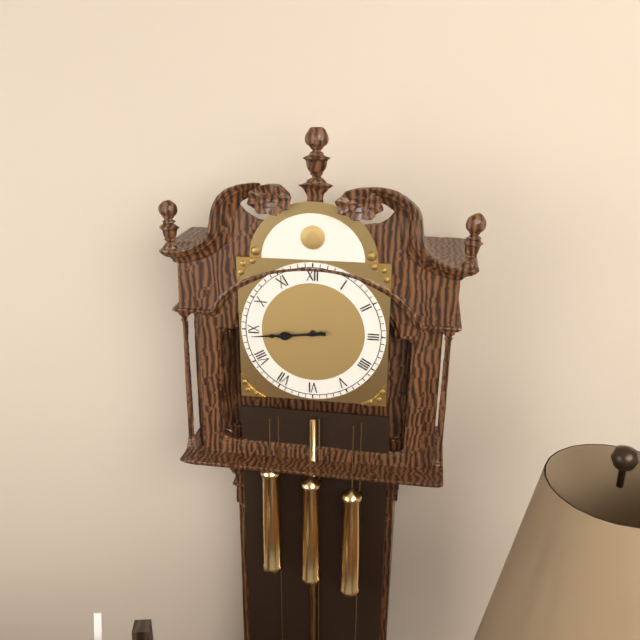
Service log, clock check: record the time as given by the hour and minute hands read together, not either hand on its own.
8:44
